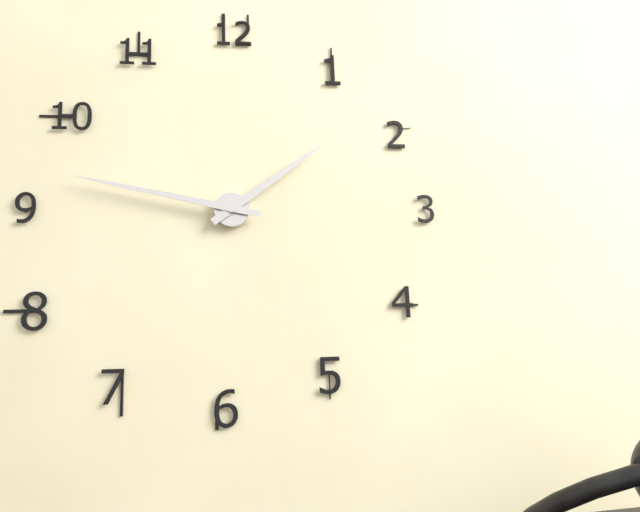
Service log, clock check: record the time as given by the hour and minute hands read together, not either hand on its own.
1:47
